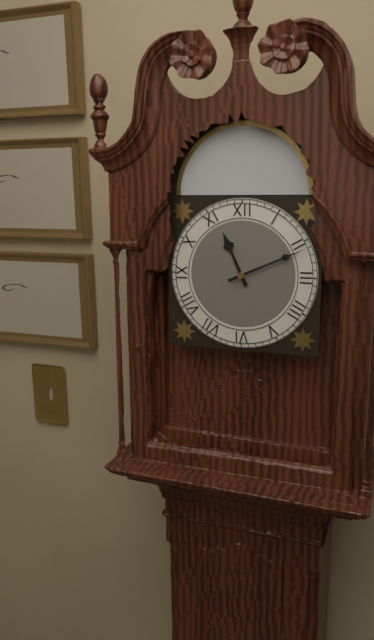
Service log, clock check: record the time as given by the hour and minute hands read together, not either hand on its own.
11:11
